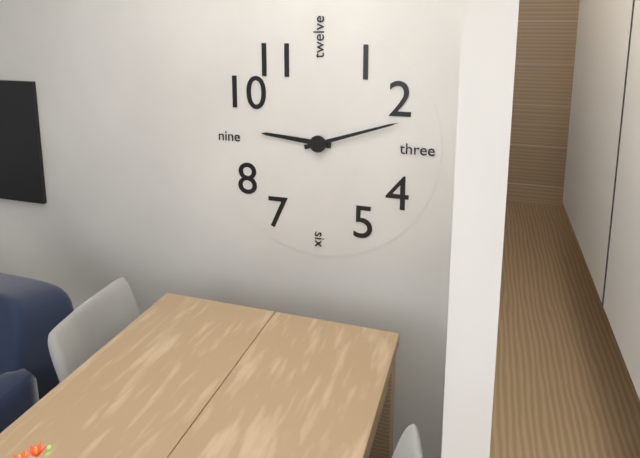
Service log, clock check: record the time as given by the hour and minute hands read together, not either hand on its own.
9:12
